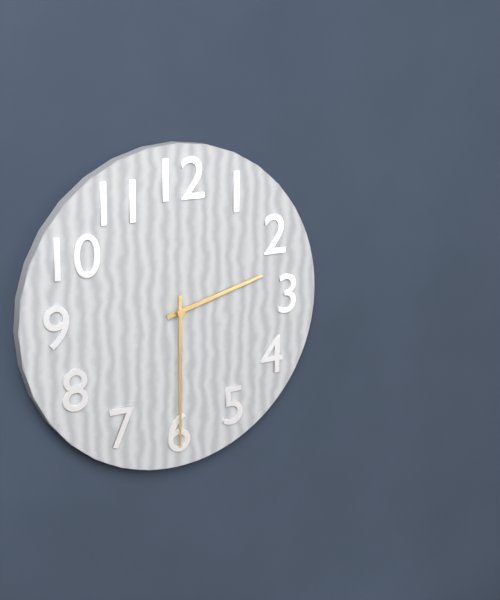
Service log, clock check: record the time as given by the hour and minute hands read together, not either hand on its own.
2:30
